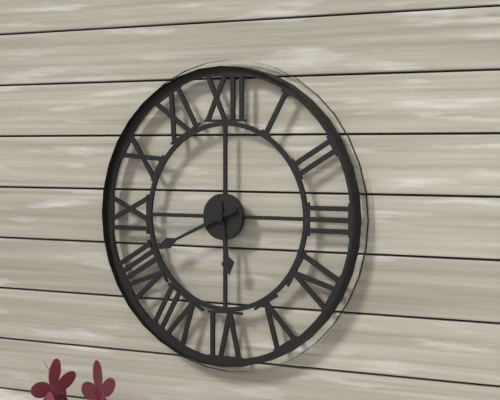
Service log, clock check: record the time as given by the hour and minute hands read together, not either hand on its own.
5:41
